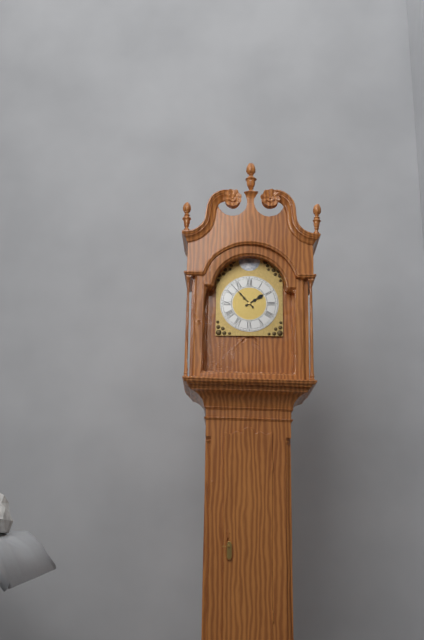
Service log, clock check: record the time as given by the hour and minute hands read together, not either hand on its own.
1:53
